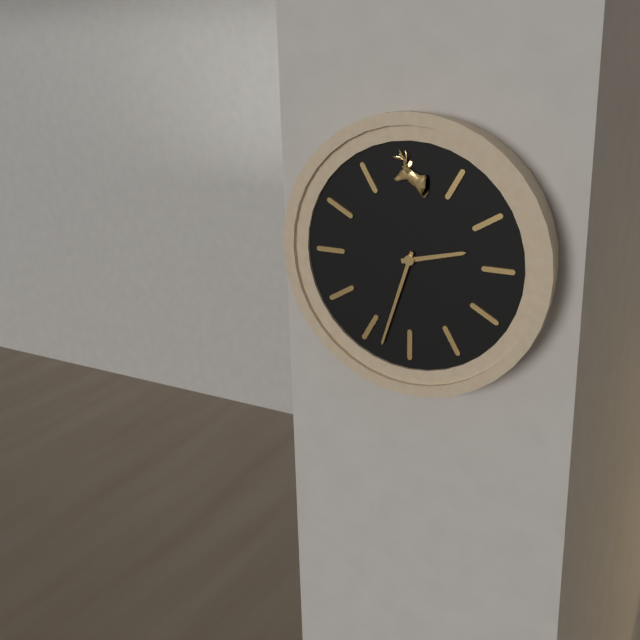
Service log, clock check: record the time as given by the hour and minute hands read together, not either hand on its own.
2:33
